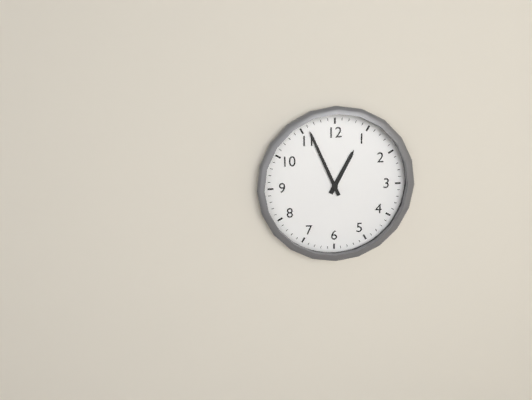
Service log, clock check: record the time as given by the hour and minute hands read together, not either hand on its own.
12:56
